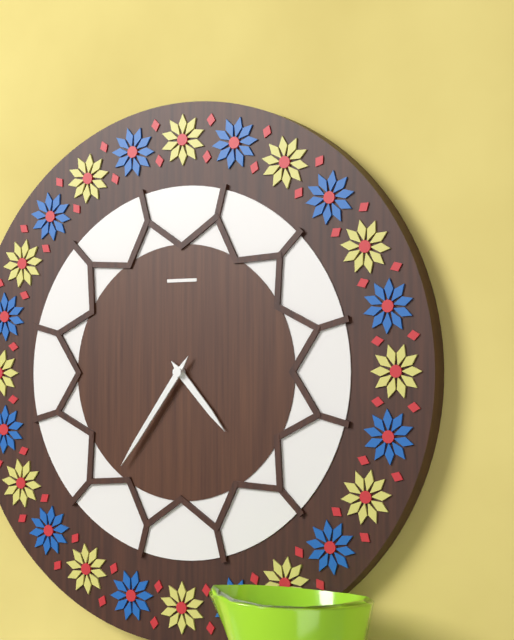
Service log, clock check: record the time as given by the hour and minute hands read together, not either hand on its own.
4:36
